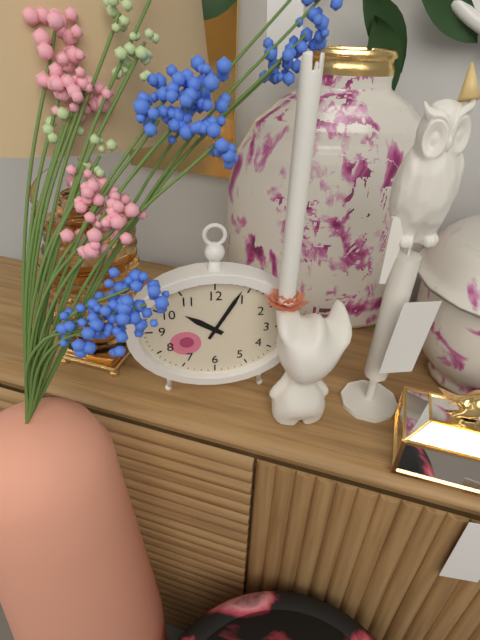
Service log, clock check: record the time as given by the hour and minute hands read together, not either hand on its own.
10:05
